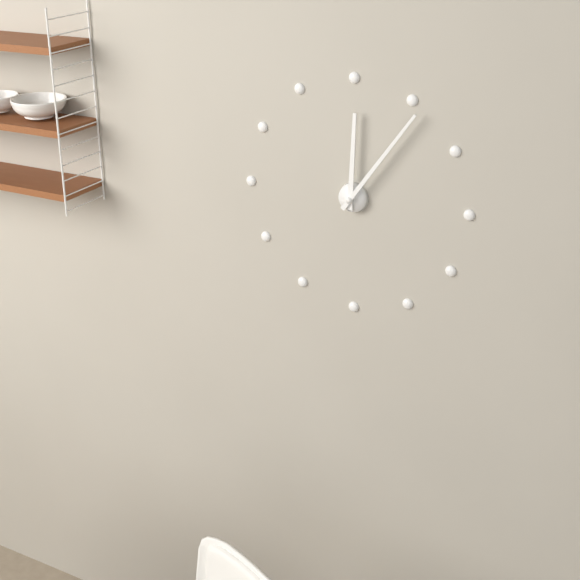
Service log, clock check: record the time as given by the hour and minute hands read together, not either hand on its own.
12:06
